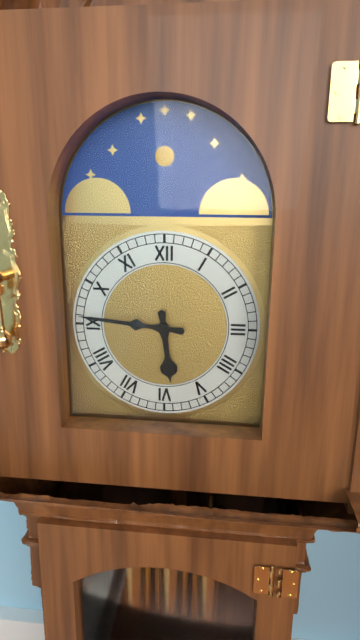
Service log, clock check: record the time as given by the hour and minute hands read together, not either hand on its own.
5:46
